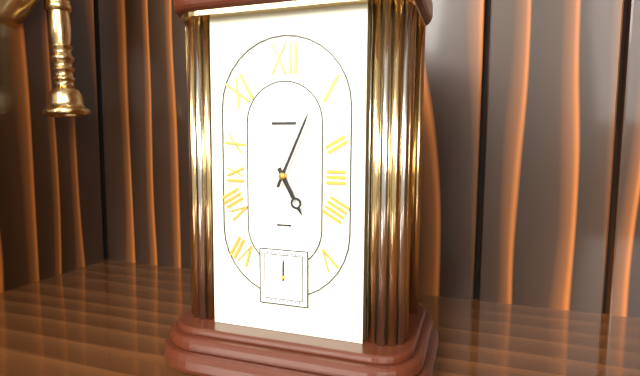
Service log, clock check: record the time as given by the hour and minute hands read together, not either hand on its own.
5:04
